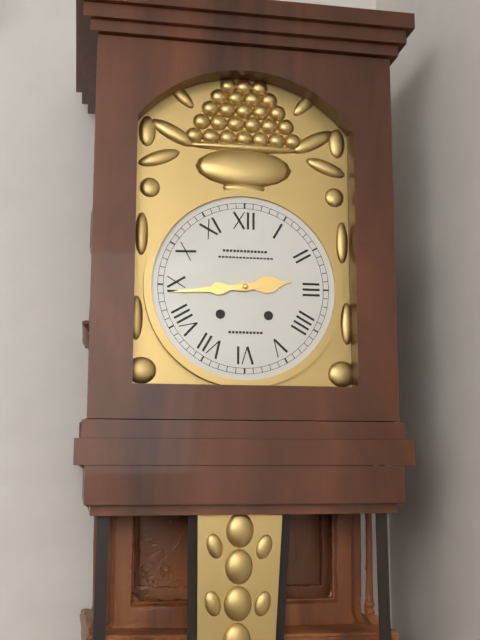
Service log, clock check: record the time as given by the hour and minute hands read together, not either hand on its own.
2:44
